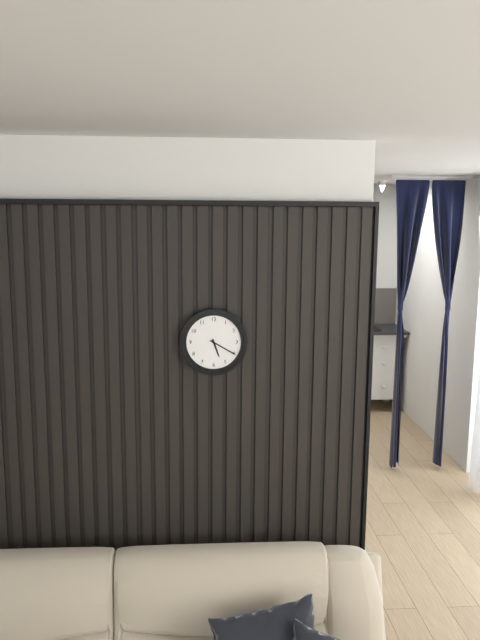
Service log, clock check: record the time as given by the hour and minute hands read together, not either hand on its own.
5:20
